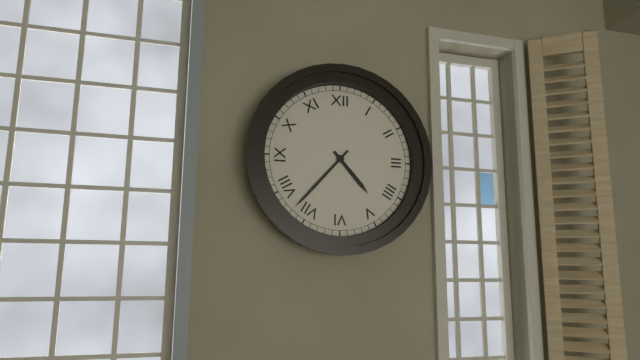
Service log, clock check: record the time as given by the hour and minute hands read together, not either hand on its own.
4:37
